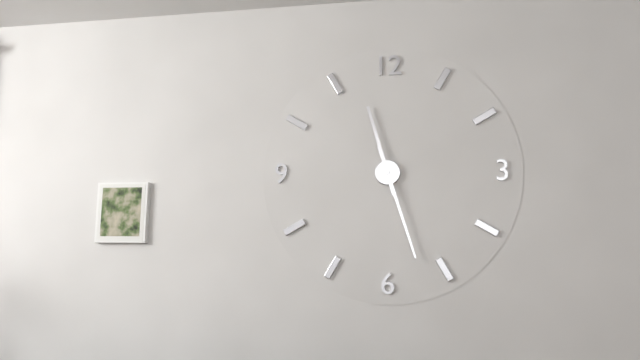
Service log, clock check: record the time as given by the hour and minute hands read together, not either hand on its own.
11:27
